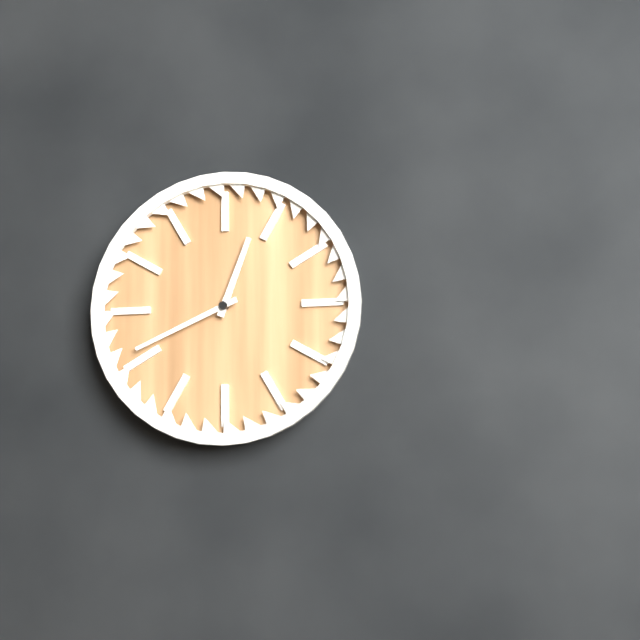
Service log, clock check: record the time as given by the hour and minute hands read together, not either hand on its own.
12:41
